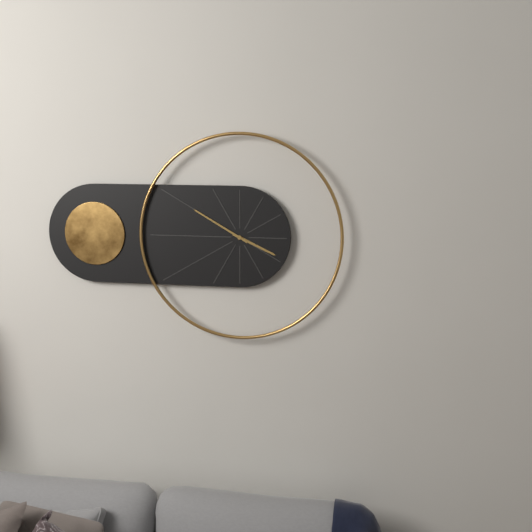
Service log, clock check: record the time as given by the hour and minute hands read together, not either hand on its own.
3:50
